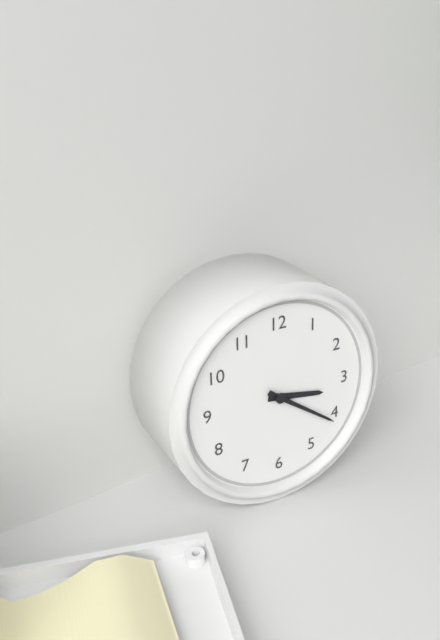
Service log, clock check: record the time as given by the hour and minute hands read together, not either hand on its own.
3:21
